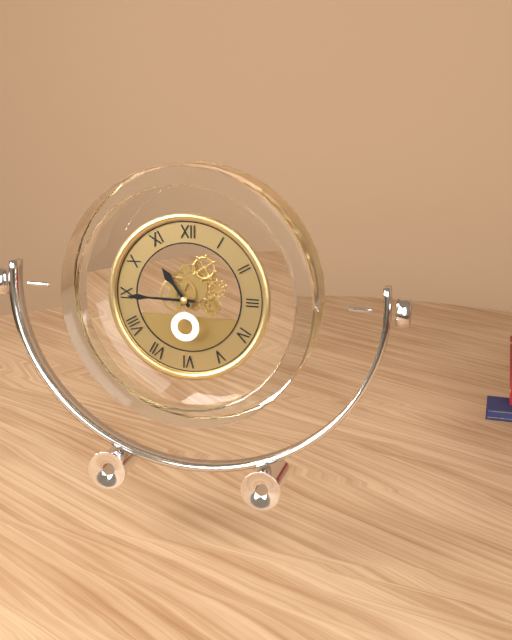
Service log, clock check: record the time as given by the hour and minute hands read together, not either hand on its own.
10:45
